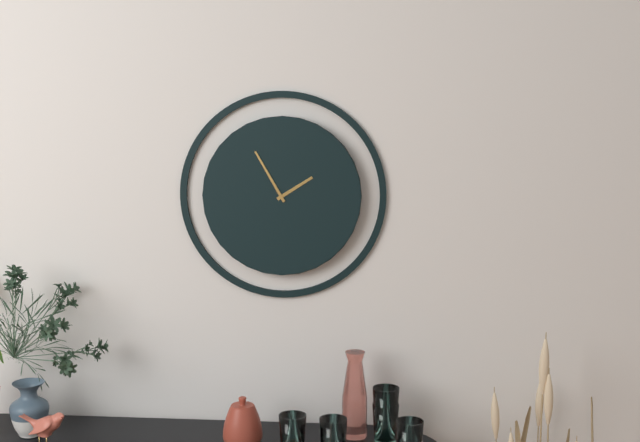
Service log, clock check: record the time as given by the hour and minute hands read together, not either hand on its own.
1:55
